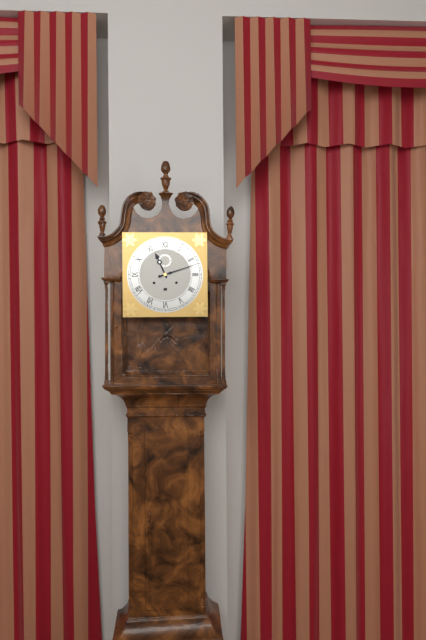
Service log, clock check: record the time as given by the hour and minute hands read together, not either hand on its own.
11:12
